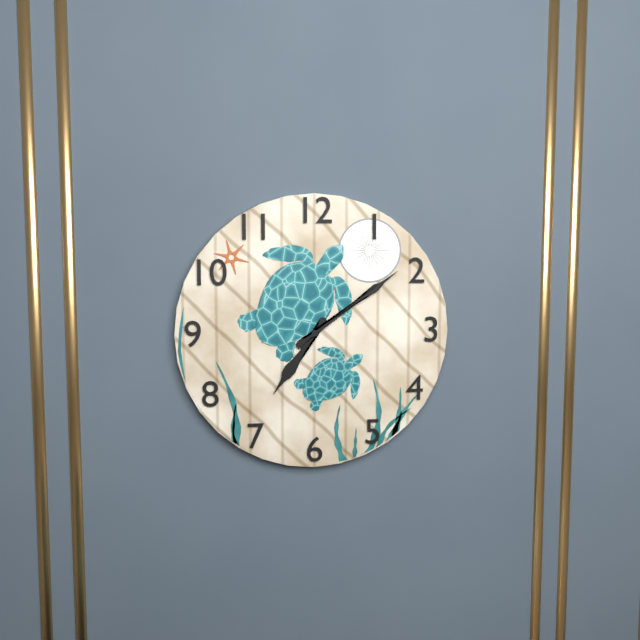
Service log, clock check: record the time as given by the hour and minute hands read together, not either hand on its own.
7:09
